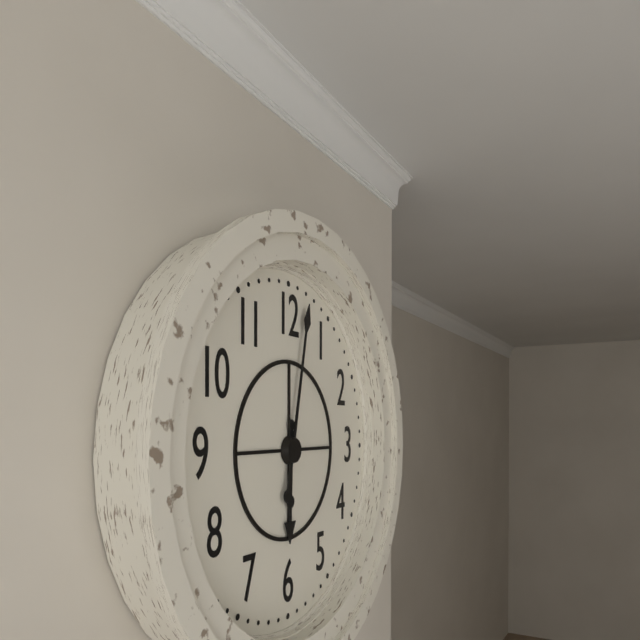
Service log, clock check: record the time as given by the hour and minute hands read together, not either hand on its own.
6:02
